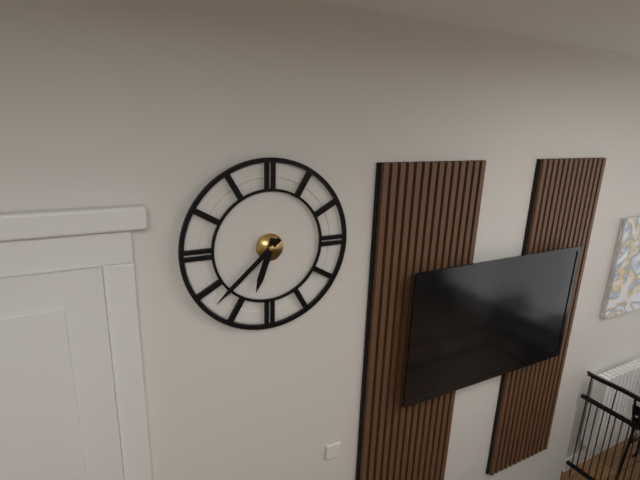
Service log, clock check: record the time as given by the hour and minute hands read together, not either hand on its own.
6:38
